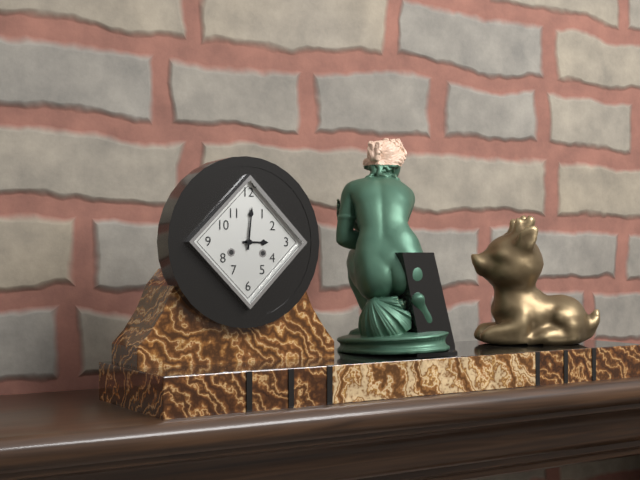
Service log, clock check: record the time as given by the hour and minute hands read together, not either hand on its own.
3:01
